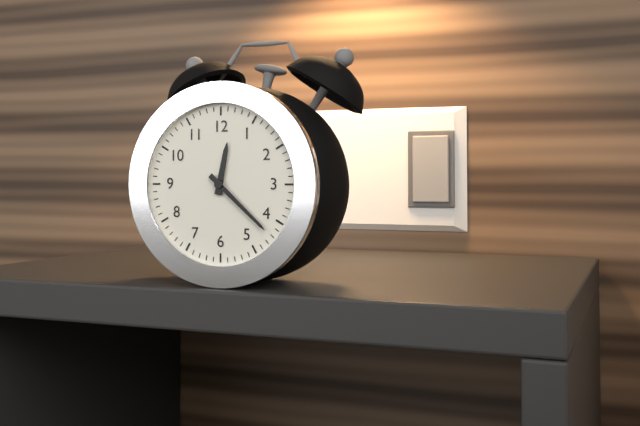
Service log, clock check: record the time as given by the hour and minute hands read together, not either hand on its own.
12:22
